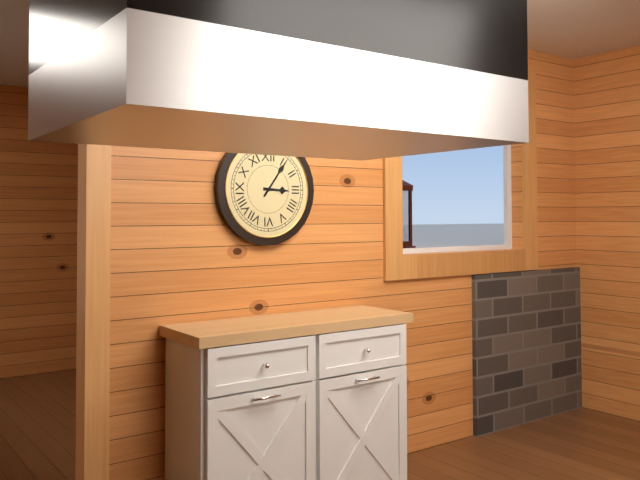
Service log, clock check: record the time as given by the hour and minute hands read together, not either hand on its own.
3:06
